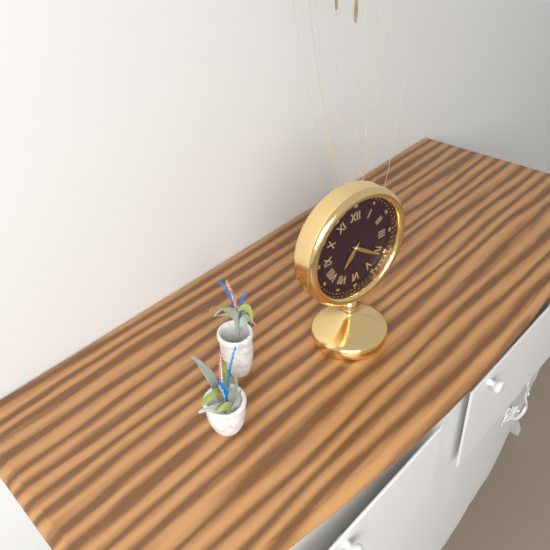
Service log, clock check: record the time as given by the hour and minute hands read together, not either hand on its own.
7:21
